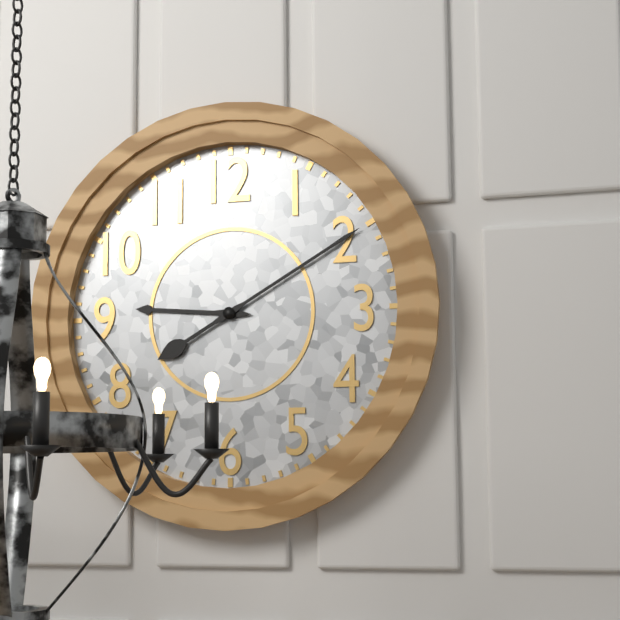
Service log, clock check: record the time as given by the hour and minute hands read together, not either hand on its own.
9:10
